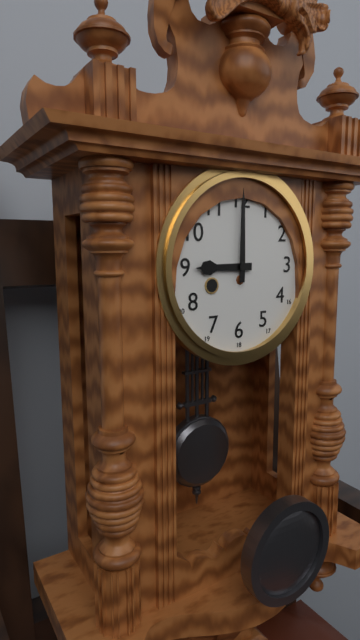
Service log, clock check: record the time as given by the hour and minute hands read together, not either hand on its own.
9:00
